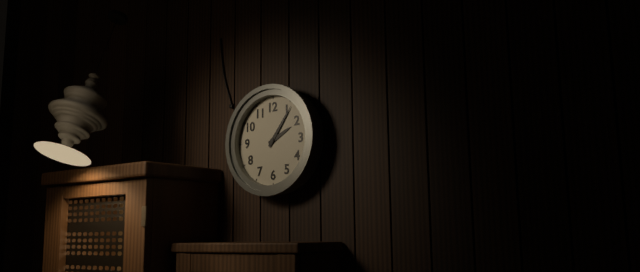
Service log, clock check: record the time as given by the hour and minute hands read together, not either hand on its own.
2:06
